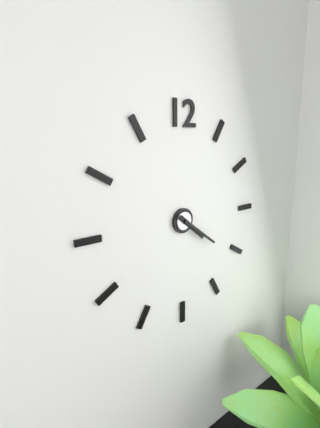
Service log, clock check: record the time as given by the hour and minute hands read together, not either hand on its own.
4:21
